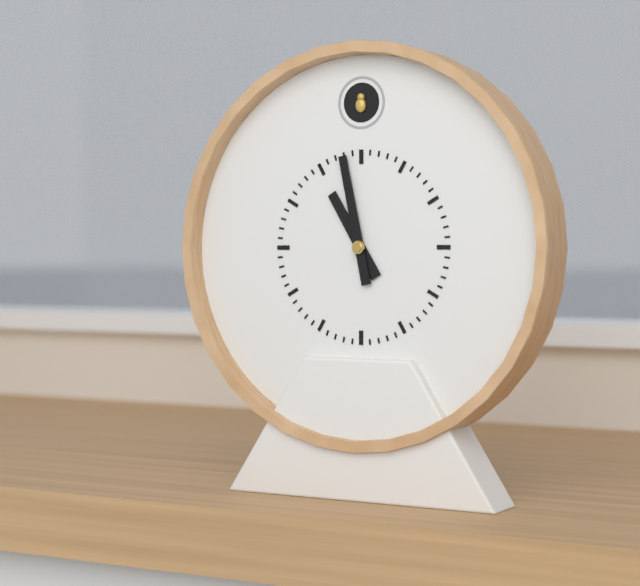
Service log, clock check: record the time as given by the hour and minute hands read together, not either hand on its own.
10:58
